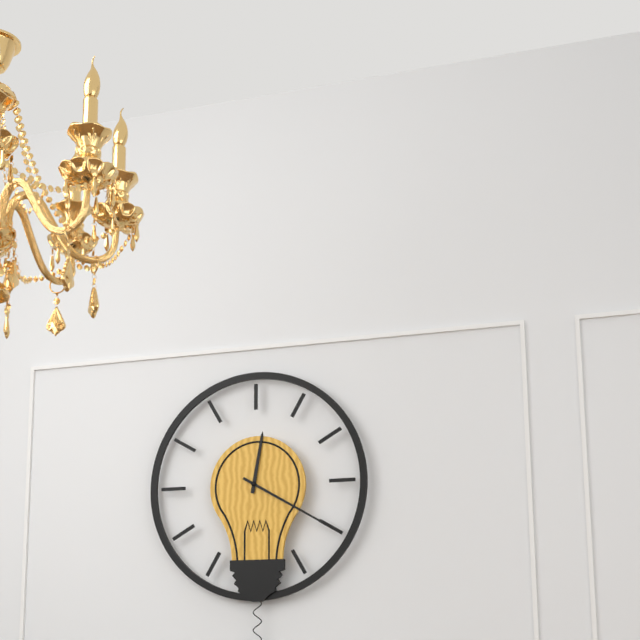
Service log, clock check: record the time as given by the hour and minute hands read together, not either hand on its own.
12:20
